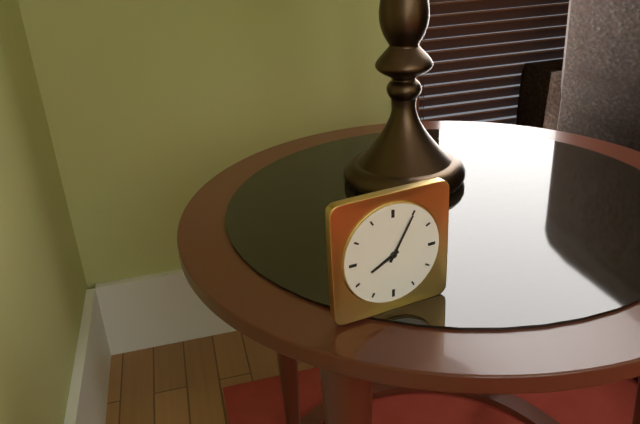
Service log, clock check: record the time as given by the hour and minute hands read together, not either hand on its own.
8:05
